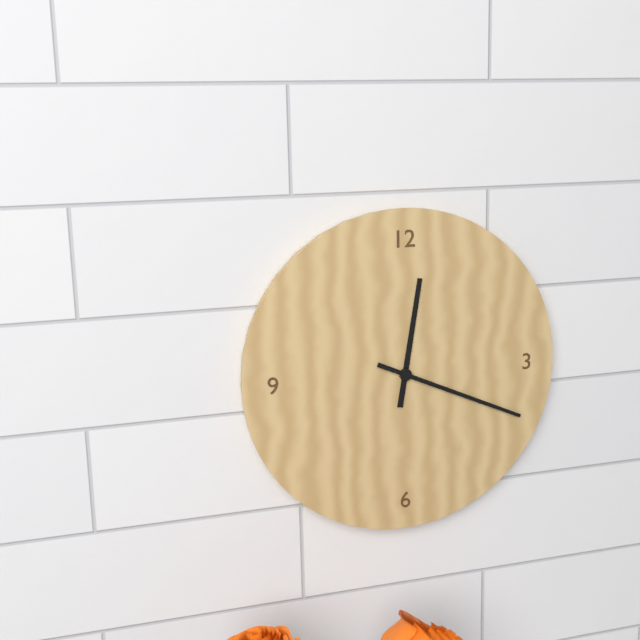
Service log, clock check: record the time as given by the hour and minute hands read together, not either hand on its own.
12:19
